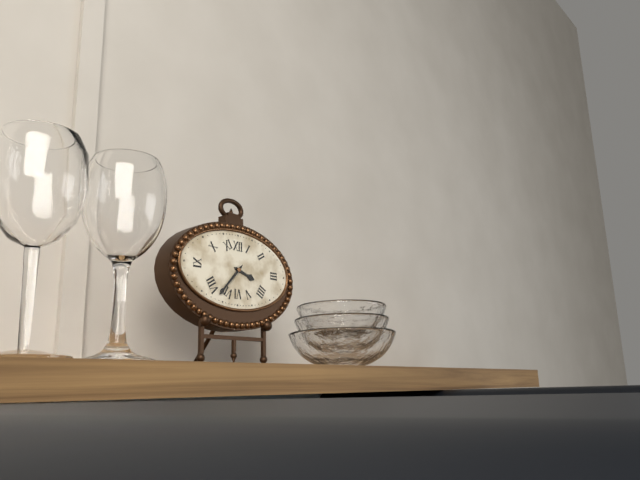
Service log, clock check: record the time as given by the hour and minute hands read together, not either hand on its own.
3:37
